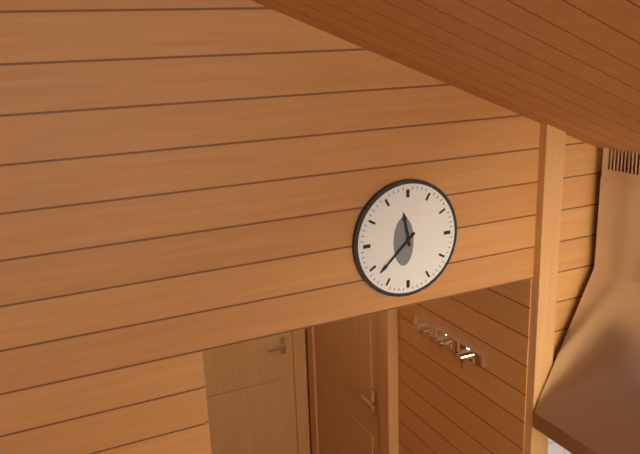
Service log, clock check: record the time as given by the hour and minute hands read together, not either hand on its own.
11:38
